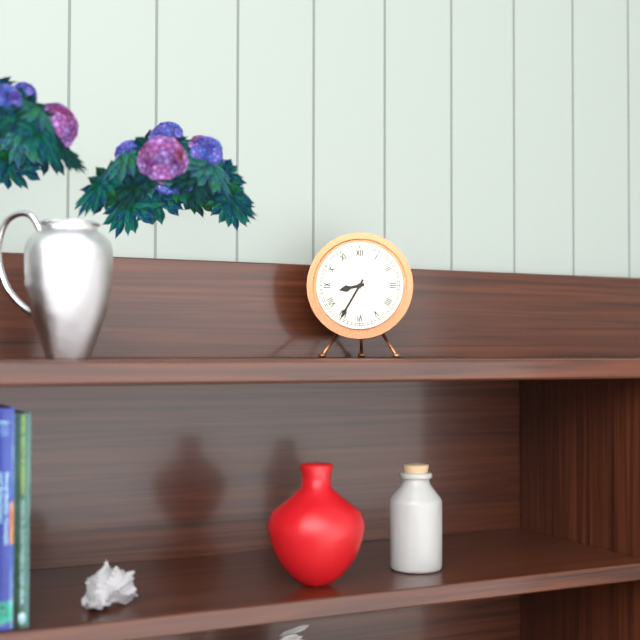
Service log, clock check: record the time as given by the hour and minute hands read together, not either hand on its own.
8:35
